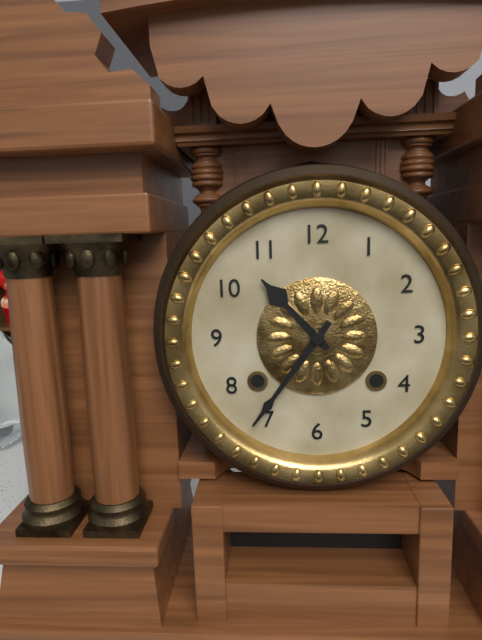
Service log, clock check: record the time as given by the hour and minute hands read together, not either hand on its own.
10:36
